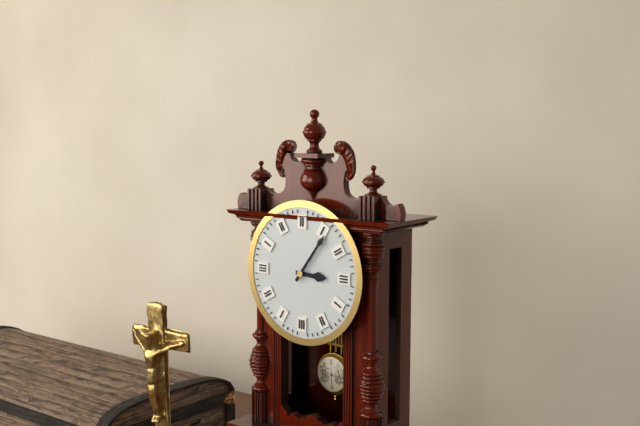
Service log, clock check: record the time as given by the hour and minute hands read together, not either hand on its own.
3:06
